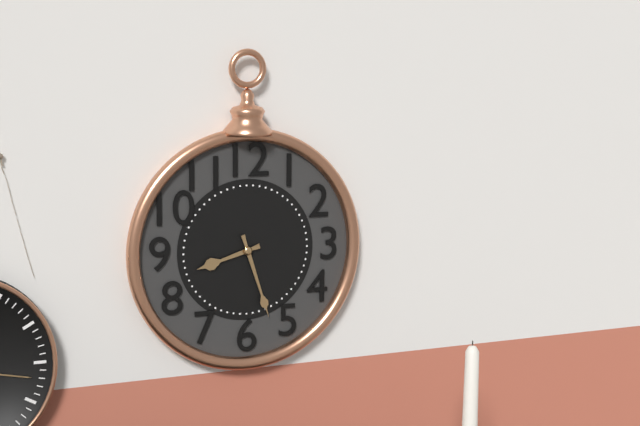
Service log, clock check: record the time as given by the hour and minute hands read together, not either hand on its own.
8:27
